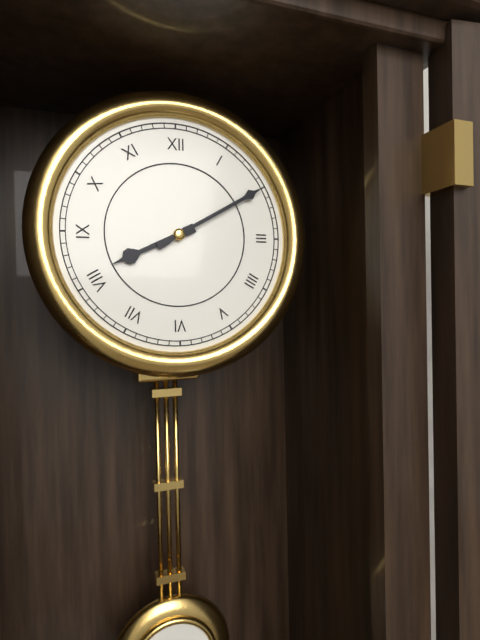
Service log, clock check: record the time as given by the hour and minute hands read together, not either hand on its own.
8:10
